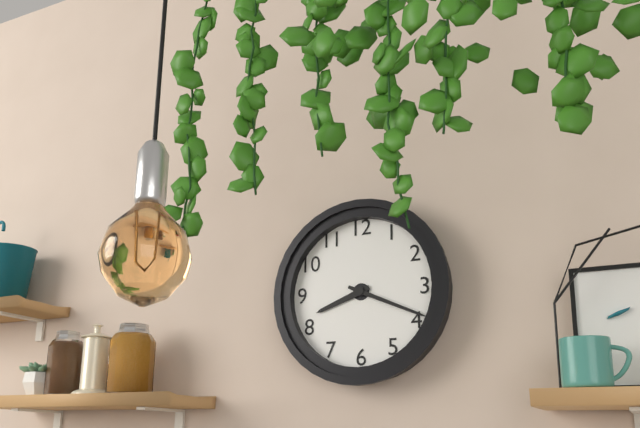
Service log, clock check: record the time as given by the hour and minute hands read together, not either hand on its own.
8:19
